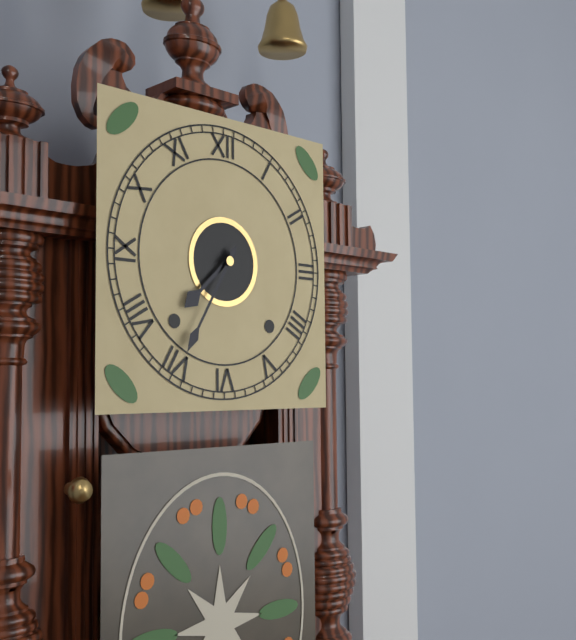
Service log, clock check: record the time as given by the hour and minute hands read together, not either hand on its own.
7:35
